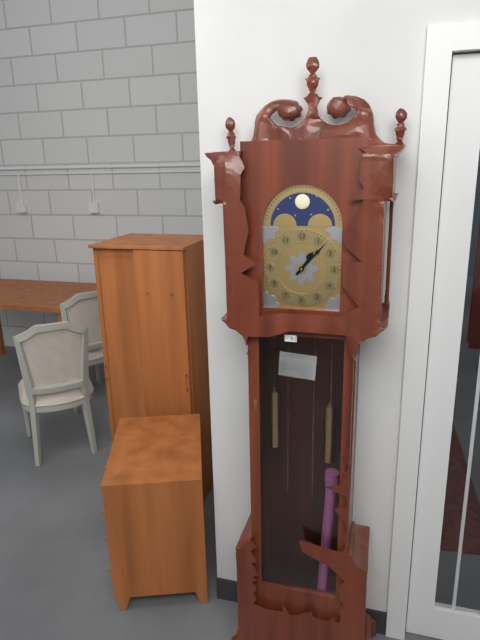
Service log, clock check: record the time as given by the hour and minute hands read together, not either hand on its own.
1:07
